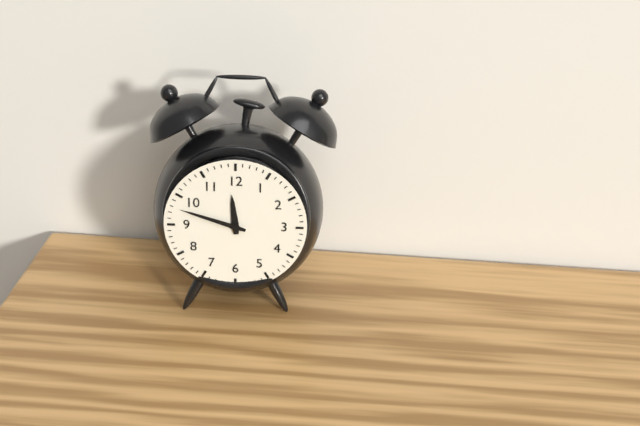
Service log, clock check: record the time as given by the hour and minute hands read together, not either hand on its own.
11:48
